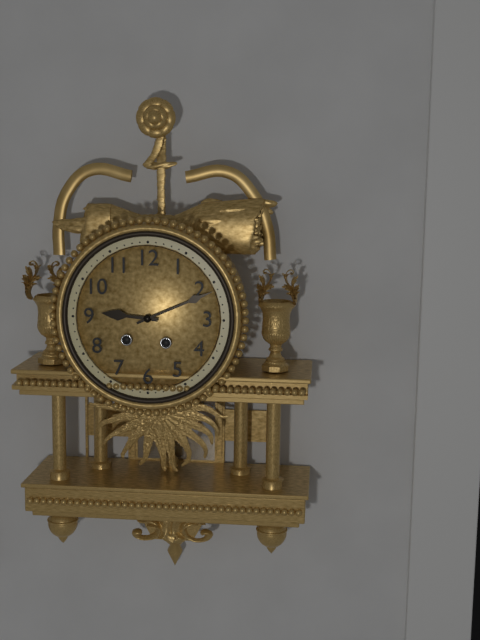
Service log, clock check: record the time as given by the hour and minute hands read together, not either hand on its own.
9:11
